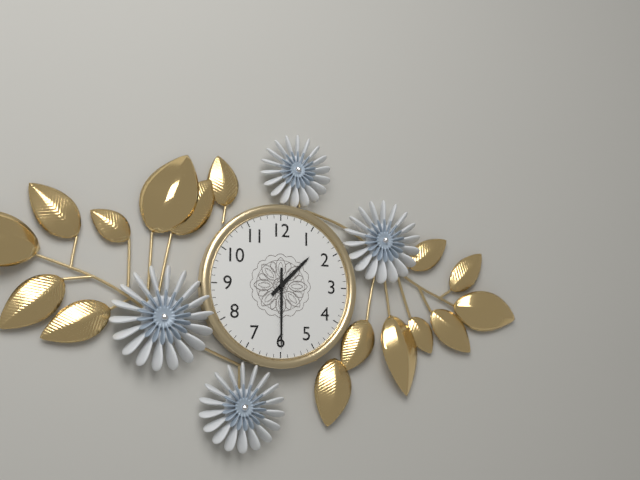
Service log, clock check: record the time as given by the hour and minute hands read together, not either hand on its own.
1:30
